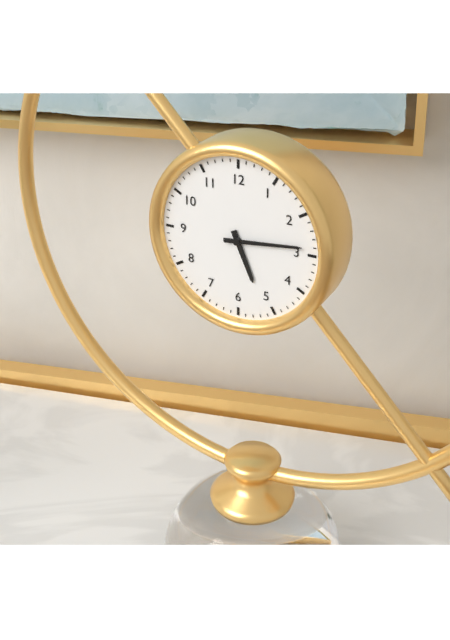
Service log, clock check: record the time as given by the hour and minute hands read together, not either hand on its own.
5:14
